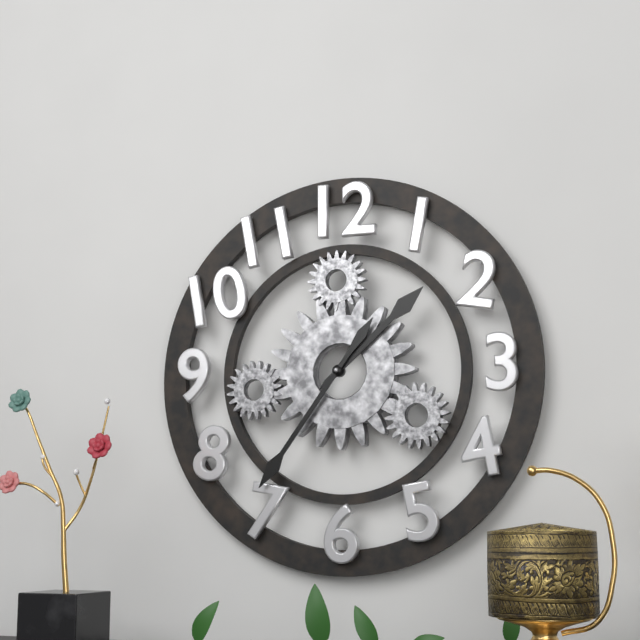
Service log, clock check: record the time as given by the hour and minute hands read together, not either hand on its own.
1:36
